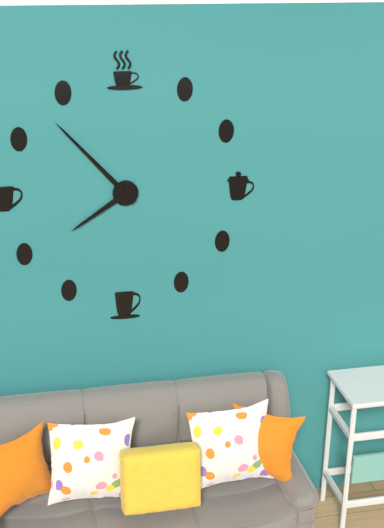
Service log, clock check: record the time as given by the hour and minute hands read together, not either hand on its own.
7:53
